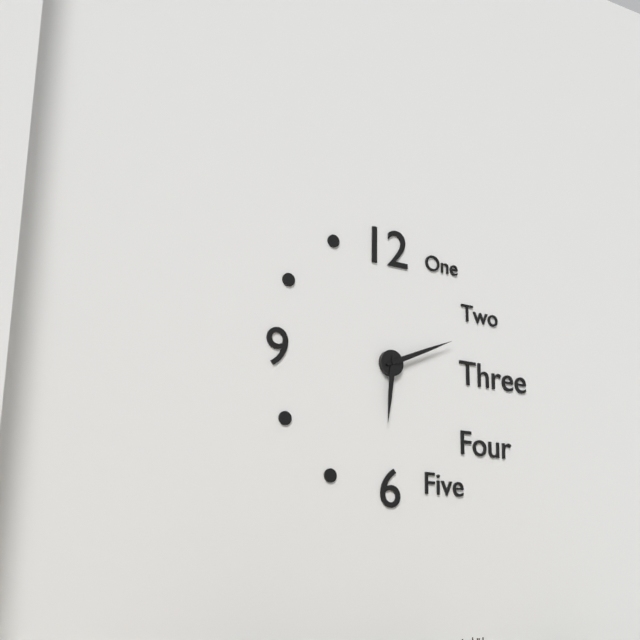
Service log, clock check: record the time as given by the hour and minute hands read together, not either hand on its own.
6:11
